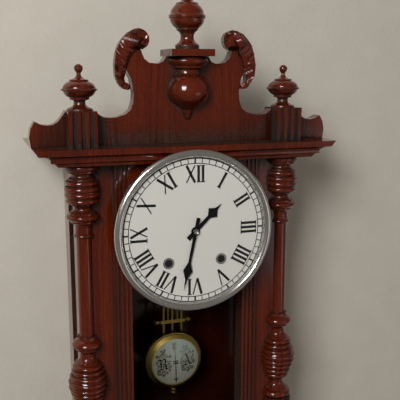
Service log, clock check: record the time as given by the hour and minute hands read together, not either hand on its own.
1:32
